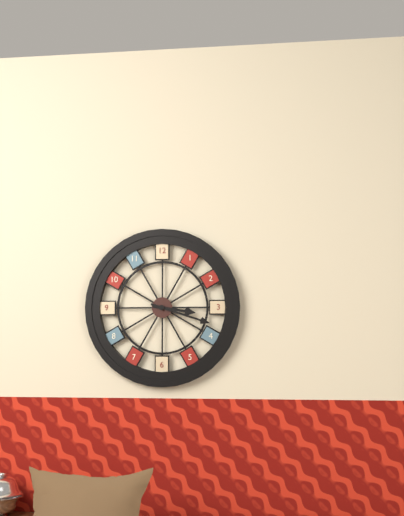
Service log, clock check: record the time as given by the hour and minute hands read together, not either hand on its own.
3:18
